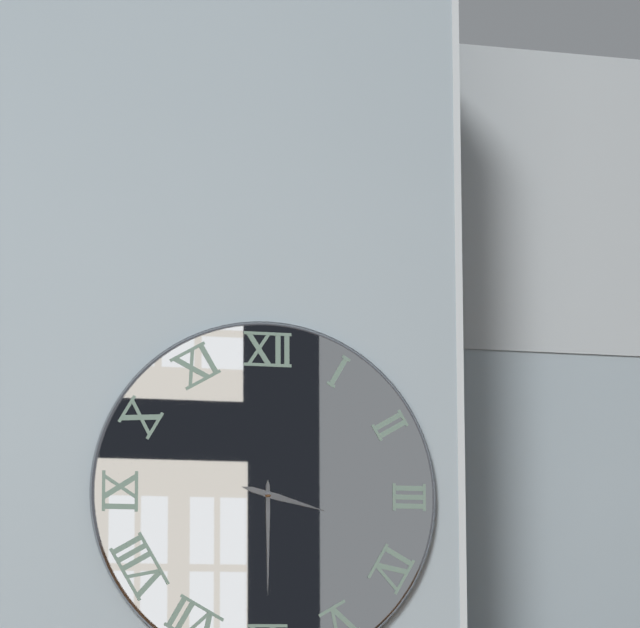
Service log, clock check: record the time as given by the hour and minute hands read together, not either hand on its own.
3:30
